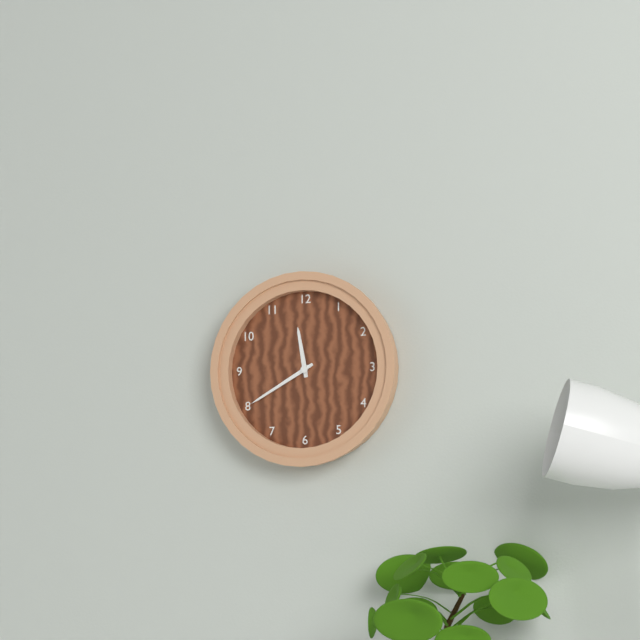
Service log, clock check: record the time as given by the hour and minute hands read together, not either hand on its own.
11:40
